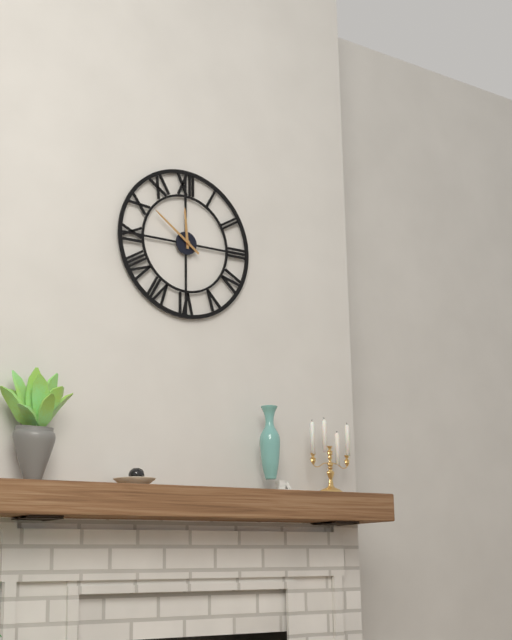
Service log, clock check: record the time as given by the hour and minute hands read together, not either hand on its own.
11:51
